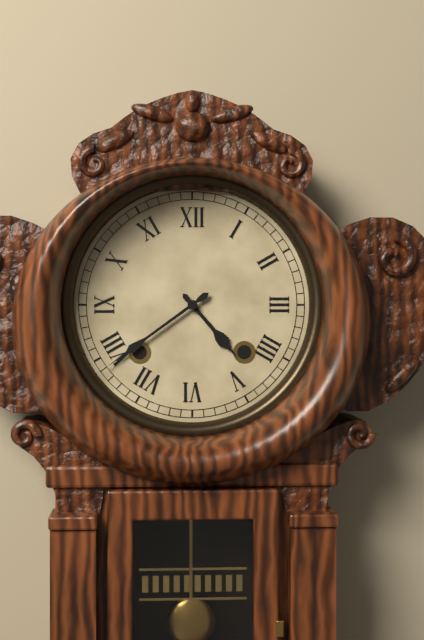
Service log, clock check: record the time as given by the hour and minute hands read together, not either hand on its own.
4:39
